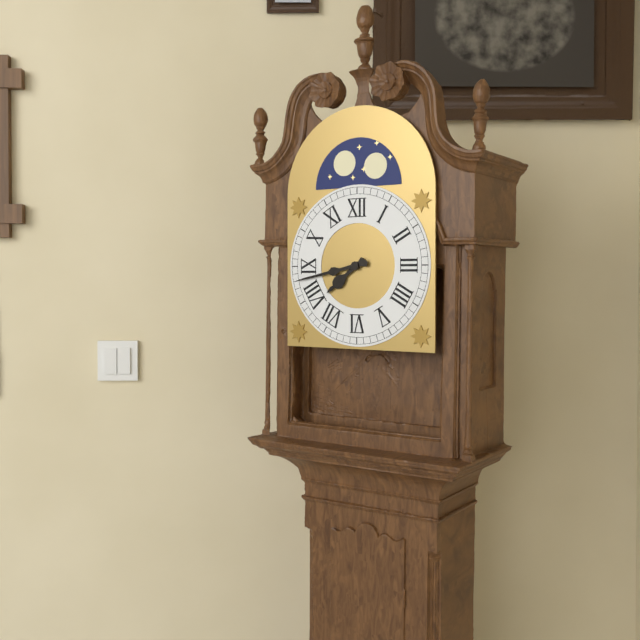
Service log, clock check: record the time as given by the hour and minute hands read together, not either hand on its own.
7:43
